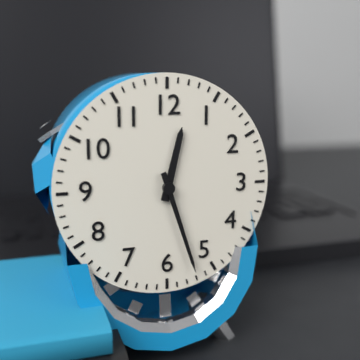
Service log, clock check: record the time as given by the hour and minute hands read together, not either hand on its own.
12:27
